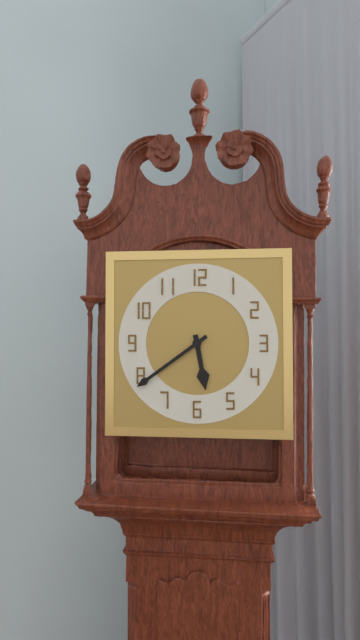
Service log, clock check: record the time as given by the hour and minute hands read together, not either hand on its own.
5:39
